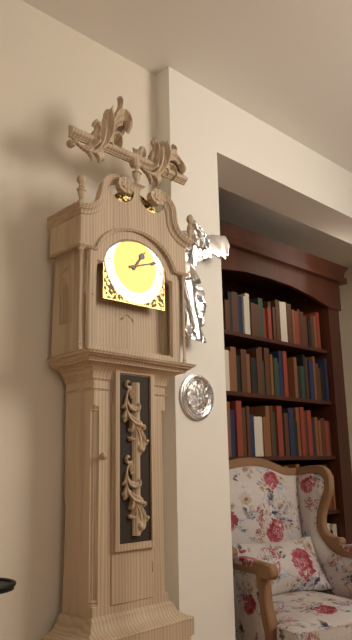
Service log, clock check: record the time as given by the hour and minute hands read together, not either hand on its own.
1:12
